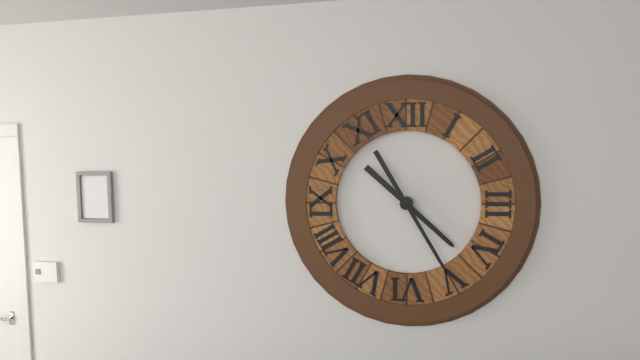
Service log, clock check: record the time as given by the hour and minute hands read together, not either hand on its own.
4:25
